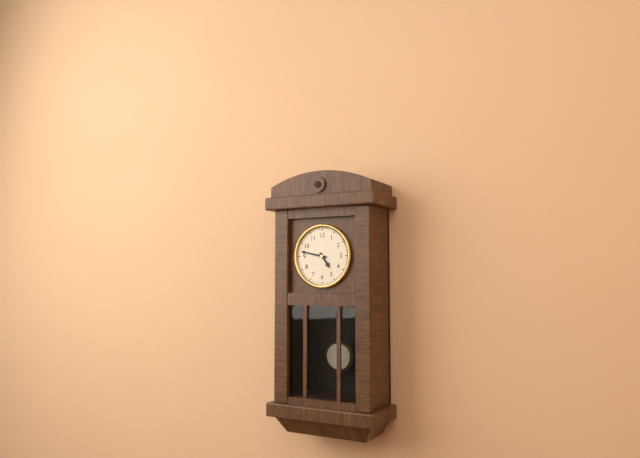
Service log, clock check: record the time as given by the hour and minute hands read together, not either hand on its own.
4:47
